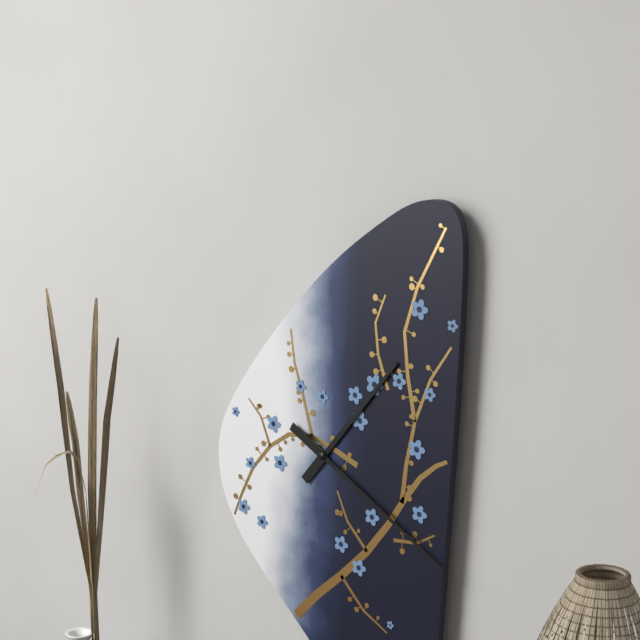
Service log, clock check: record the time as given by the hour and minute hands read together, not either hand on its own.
1:20
